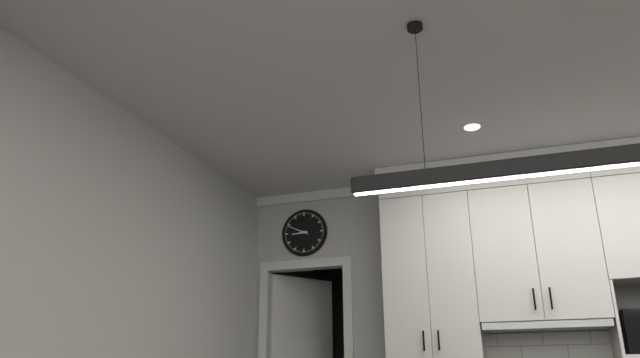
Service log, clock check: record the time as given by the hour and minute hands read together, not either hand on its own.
8:49
